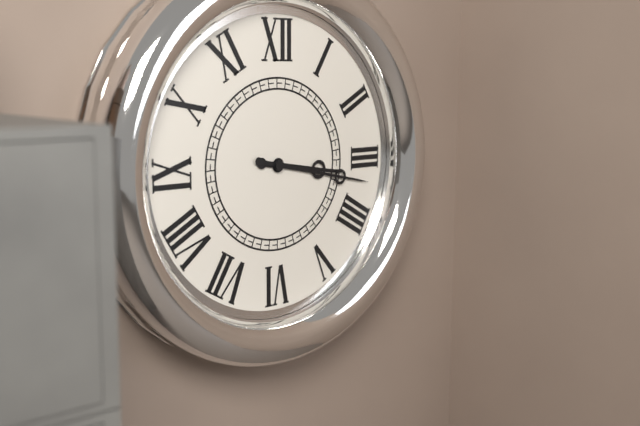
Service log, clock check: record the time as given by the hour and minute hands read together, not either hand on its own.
3:17
